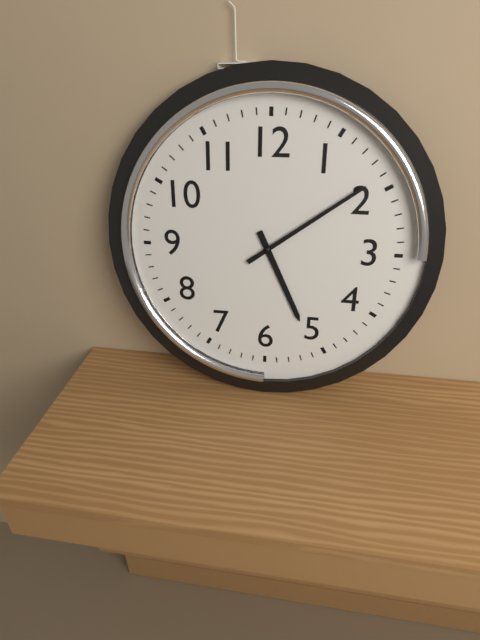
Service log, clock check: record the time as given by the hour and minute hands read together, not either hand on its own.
5:09
